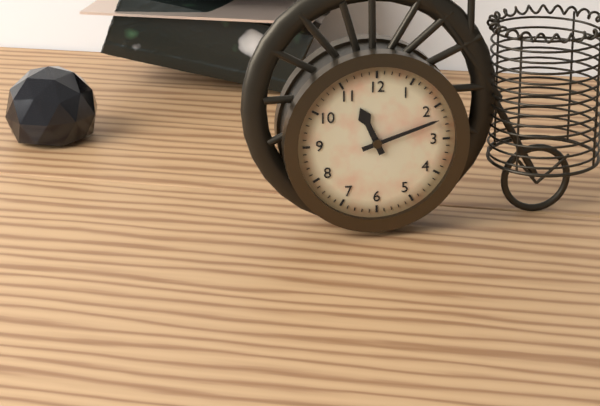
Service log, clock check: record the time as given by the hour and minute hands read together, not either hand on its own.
11:12
